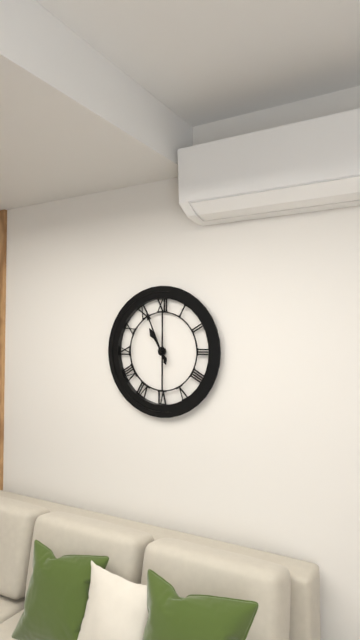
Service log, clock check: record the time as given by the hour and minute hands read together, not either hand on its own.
10:56
